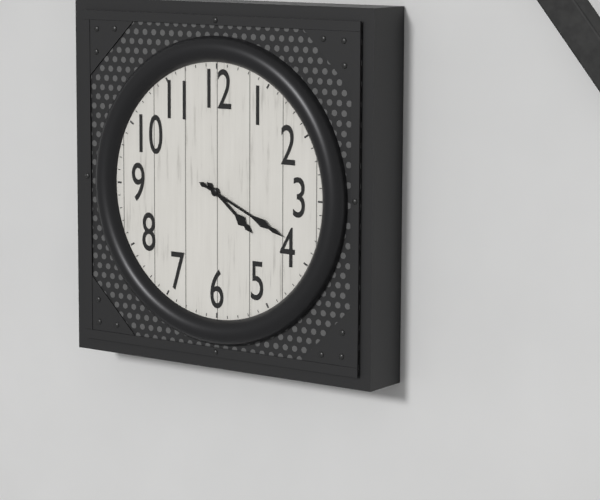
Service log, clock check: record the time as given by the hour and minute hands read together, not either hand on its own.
4:19
